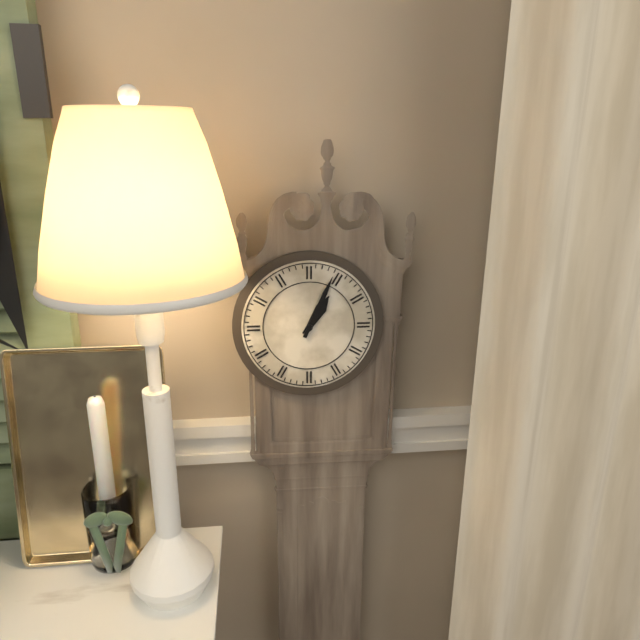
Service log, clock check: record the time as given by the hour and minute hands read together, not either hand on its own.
1:04
